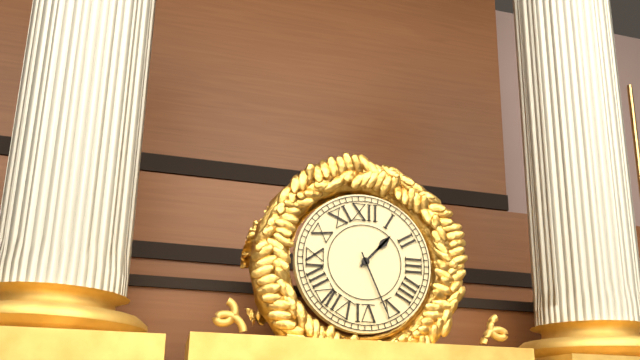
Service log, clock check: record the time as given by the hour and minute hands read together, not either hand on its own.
1:26
